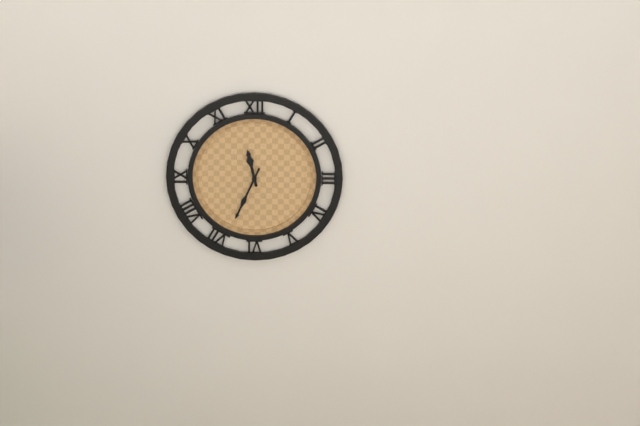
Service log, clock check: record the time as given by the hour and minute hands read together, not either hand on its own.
11:34
